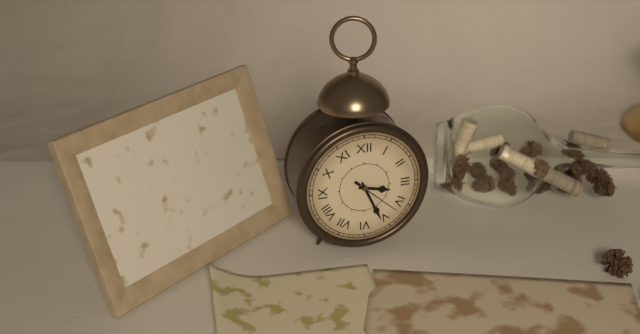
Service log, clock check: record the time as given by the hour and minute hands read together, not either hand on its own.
3:26
